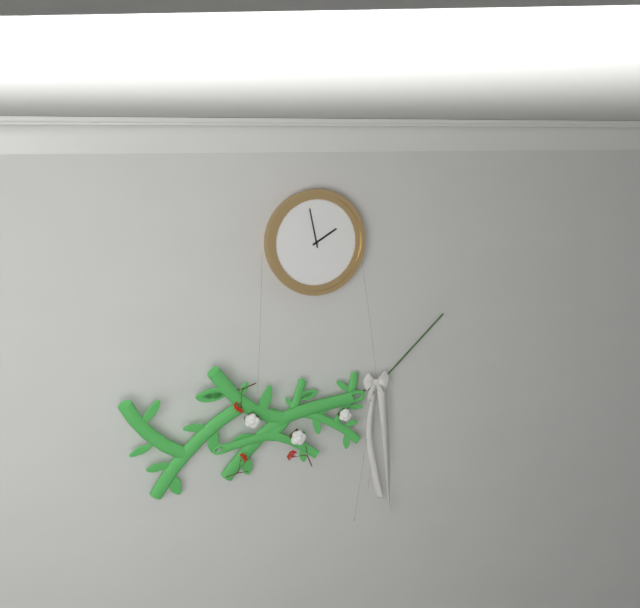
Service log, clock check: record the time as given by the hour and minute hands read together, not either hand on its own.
1:58
